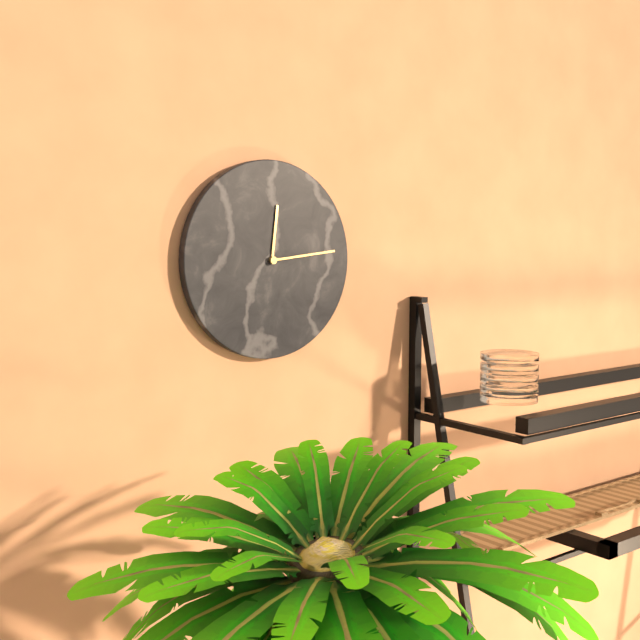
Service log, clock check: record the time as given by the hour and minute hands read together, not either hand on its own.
12:14
